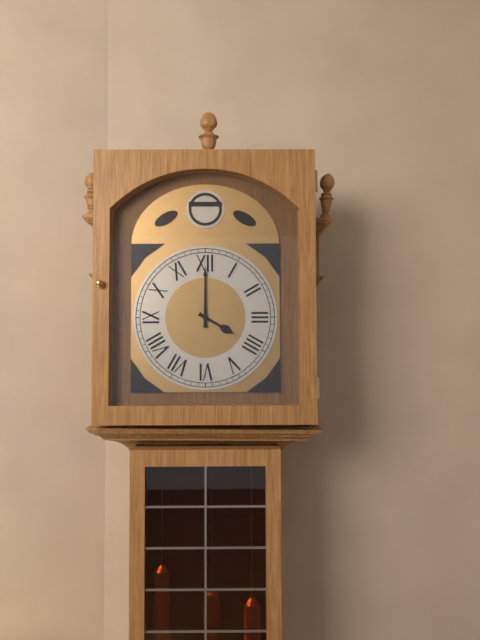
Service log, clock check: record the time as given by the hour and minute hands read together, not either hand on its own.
4:00
